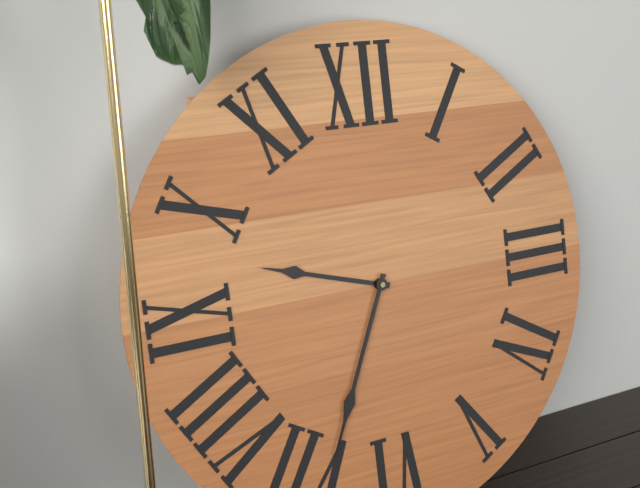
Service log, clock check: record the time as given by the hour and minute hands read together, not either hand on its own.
9:34
